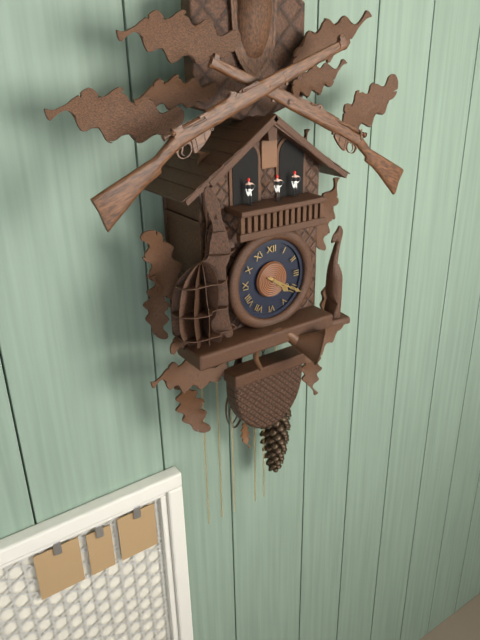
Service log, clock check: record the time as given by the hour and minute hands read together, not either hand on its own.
4:20
